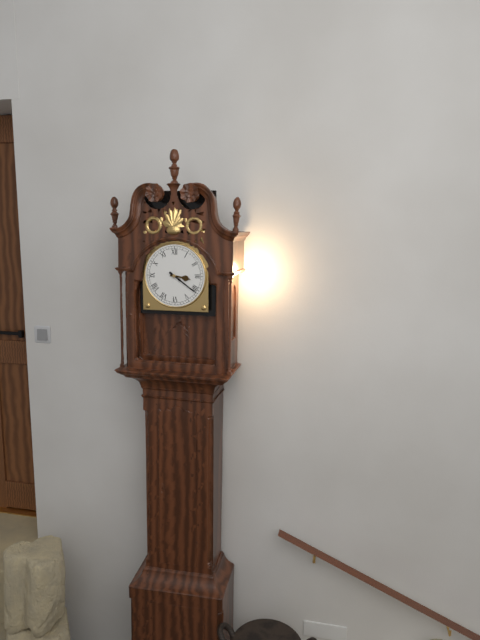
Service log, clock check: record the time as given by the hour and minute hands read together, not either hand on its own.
3:21
